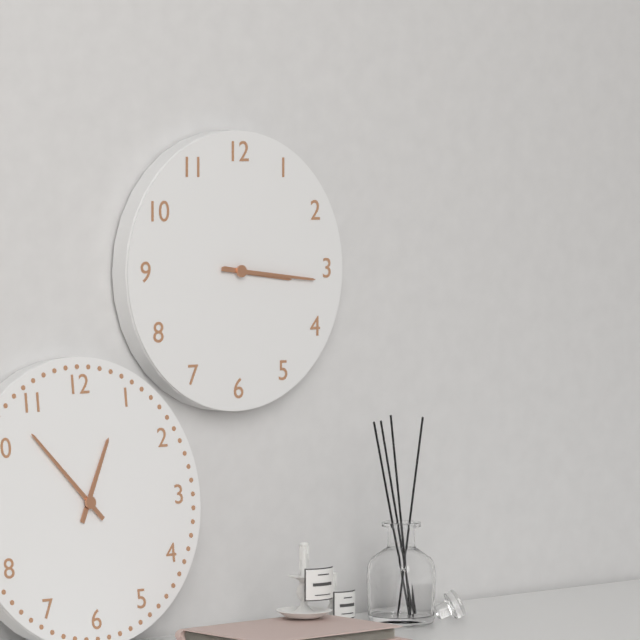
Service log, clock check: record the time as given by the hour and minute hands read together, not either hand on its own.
3:16
